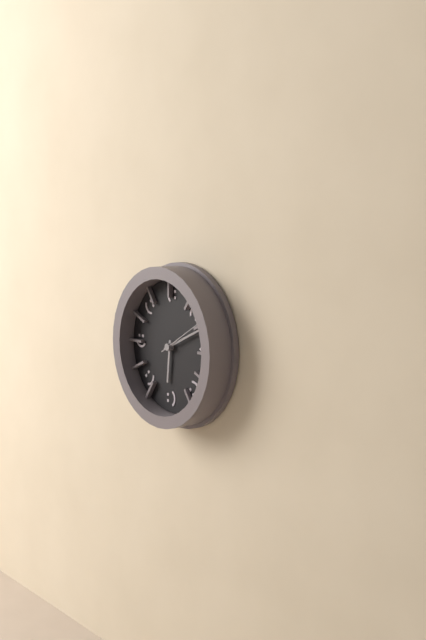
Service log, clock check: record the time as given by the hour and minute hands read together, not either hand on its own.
6:11
